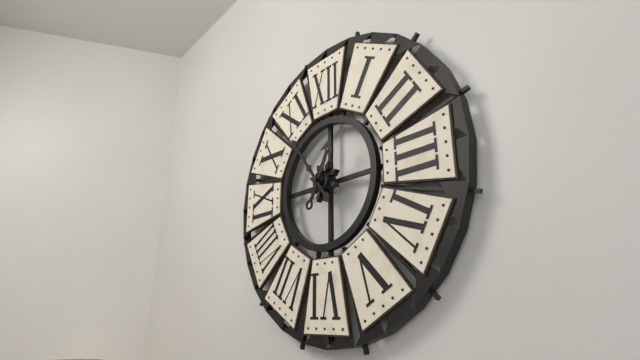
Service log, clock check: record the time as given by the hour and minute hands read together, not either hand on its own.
12:54
